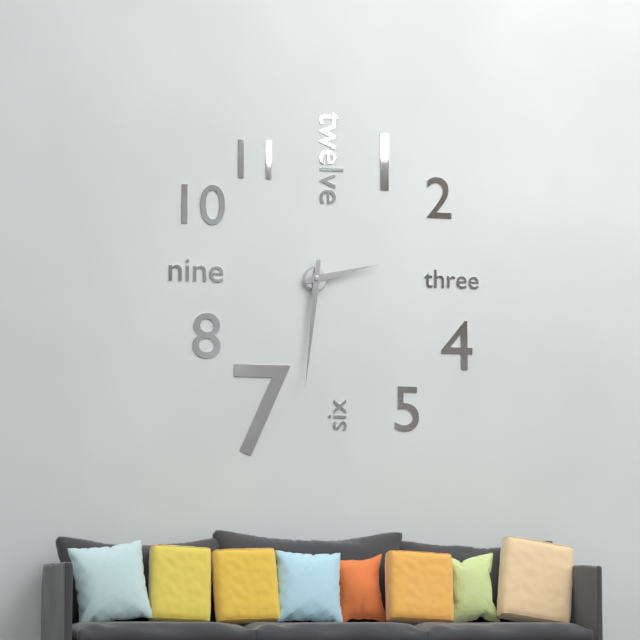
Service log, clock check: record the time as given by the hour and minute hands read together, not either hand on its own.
2:31
